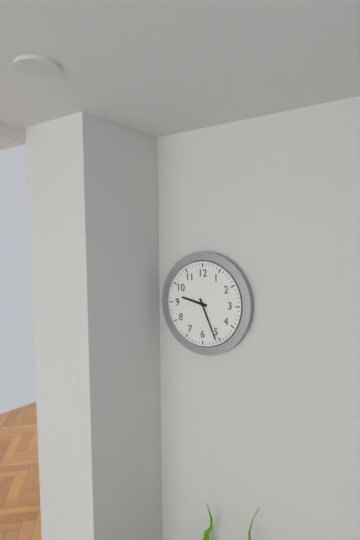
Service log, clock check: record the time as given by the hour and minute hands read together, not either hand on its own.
9:26
